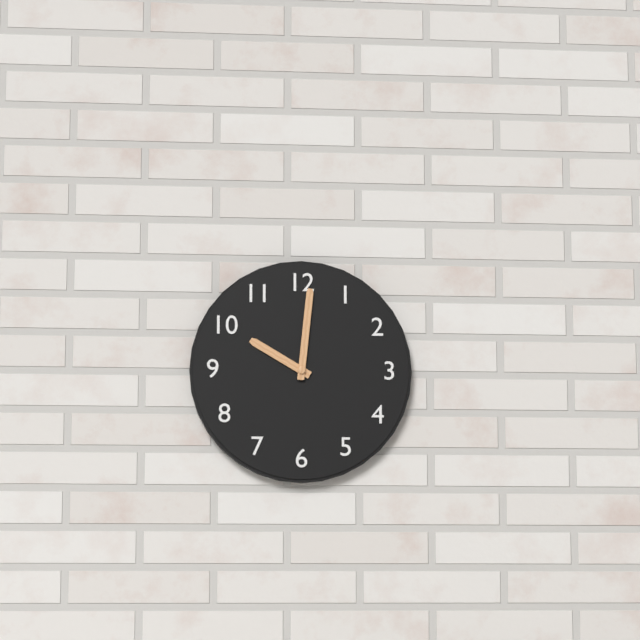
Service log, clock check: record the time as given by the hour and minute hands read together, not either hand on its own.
10:01
